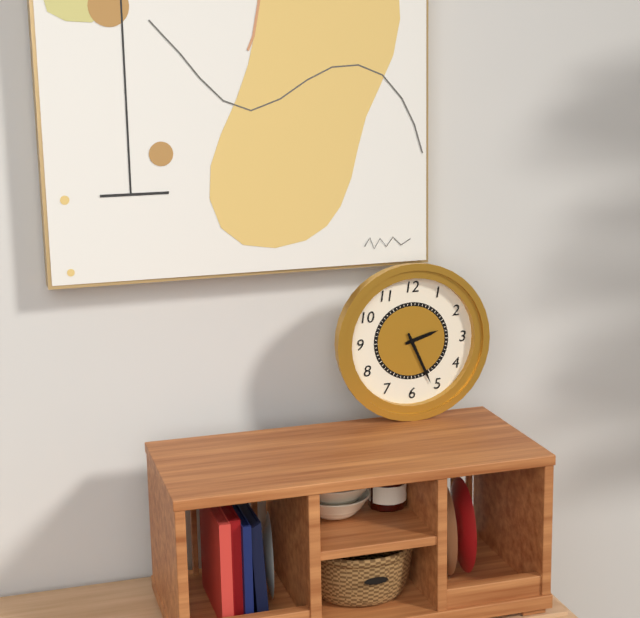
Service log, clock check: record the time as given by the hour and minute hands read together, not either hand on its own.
2:26
